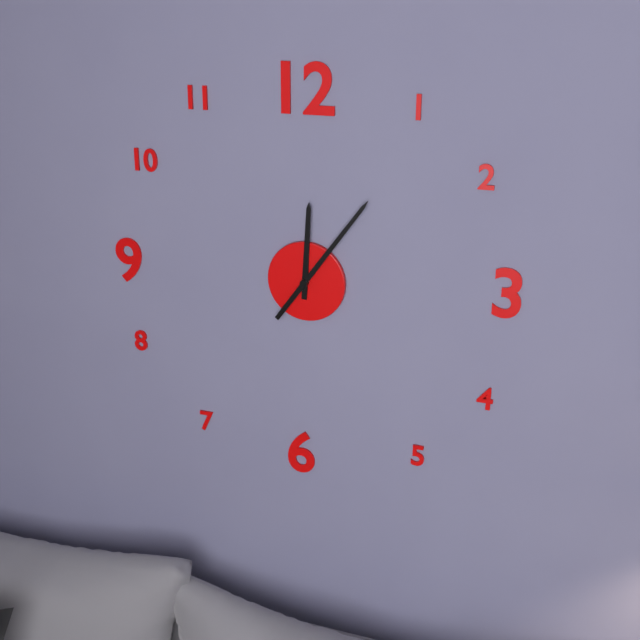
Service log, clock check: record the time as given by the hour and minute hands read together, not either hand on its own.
12:06
